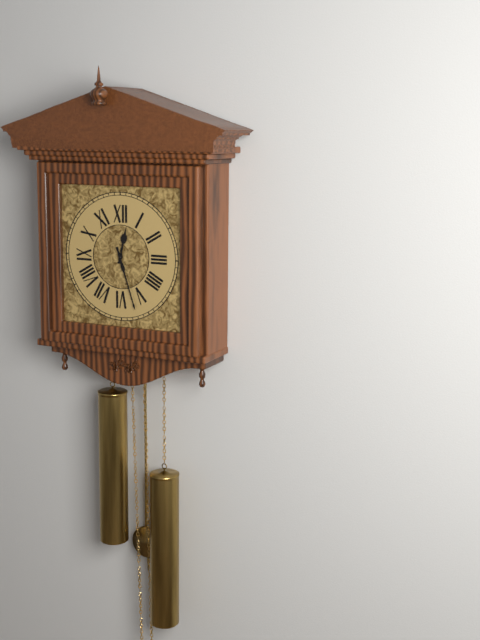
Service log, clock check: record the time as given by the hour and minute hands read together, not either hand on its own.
12:27
